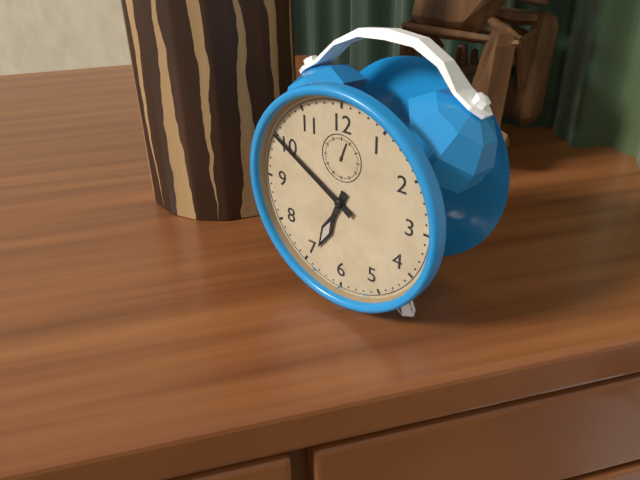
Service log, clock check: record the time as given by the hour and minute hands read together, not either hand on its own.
6:50
